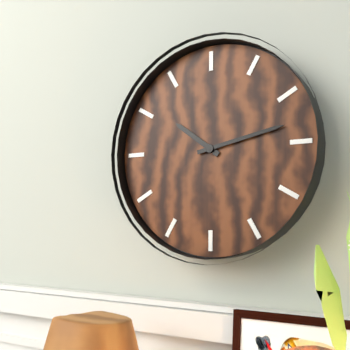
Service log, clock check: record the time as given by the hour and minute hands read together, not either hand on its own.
10:13
